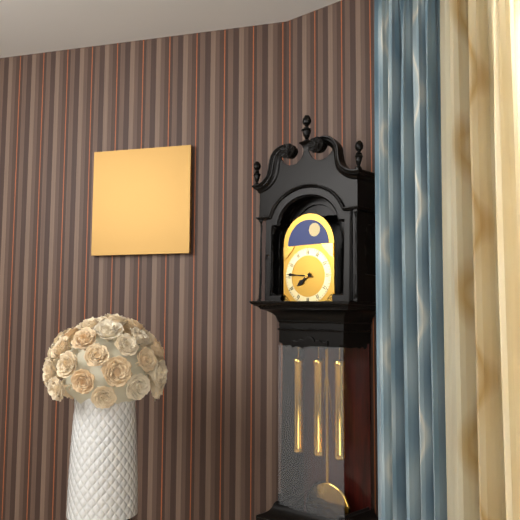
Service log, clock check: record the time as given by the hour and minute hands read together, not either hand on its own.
7:46
